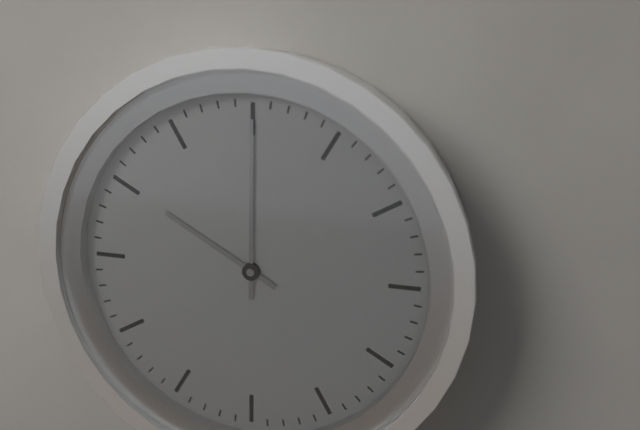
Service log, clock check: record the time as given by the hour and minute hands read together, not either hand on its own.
10:00
